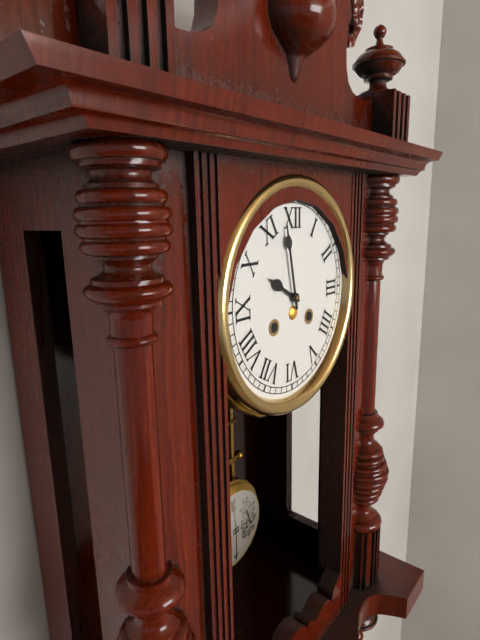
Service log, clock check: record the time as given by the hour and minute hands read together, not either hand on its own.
9:58
